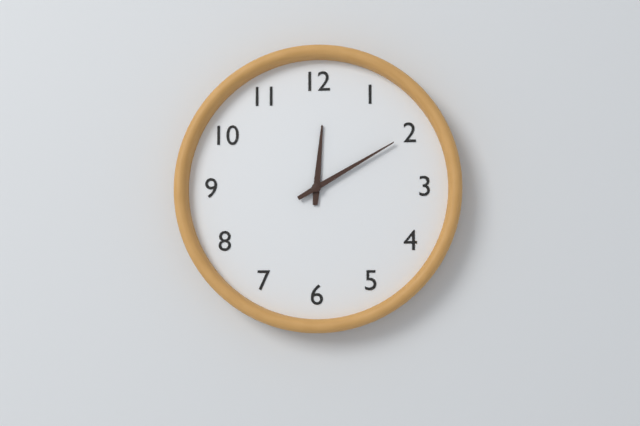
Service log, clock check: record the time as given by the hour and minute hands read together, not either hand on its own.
12:10
